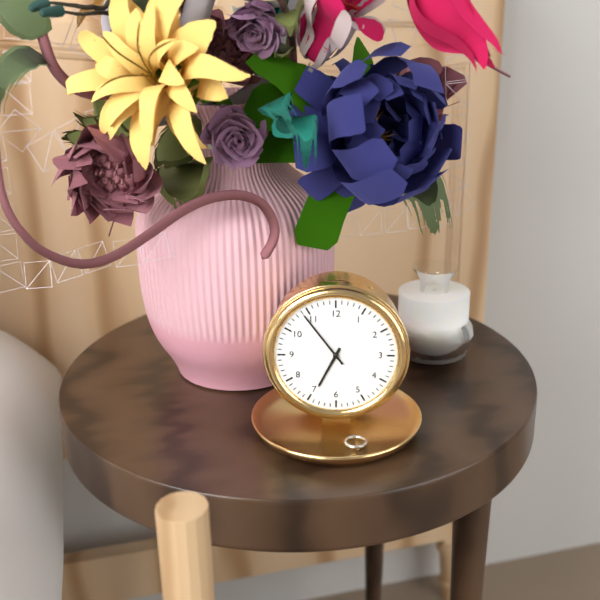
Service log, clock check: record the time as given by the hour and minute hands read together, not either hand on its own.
6:54
